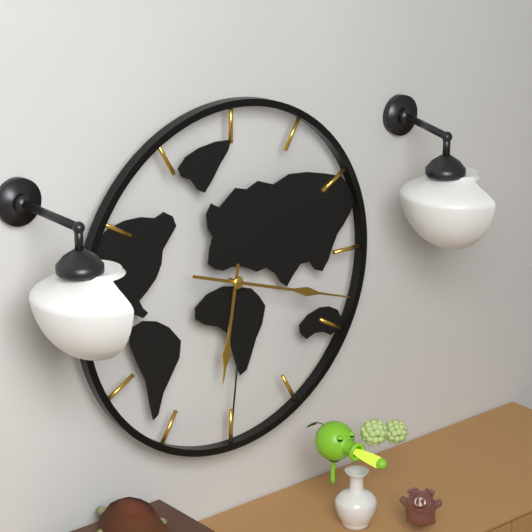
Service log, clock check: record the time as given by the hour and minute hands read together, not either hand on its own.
6:18
